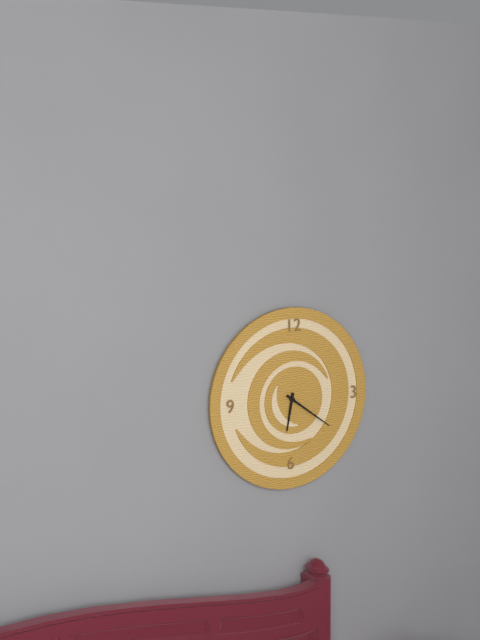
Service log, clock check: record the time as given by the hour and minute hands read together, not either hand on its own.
6:21
